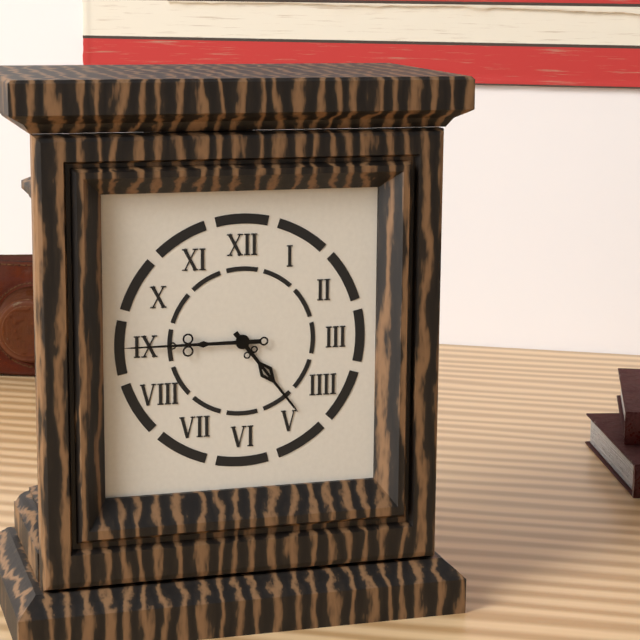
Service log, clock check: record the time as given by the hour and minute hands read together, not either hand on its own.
4:45
